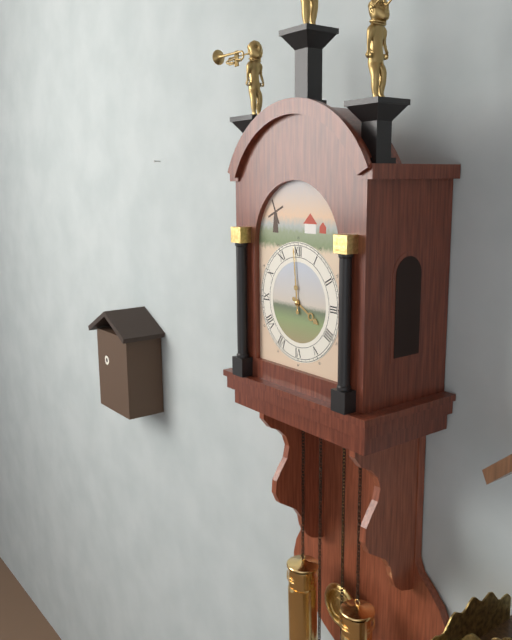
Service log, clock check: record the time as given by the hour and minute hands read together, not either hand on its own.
3:59
